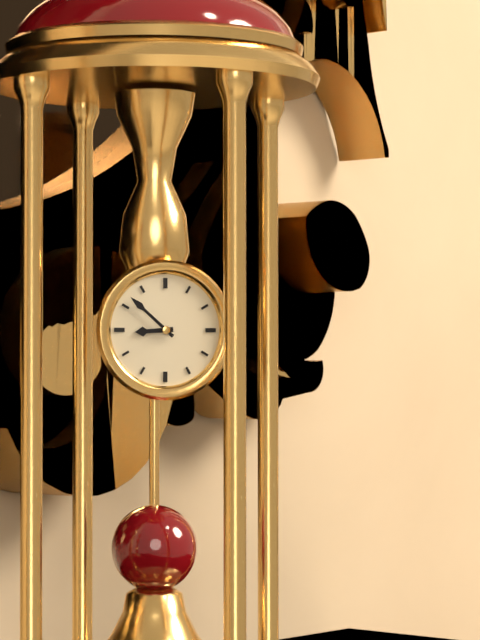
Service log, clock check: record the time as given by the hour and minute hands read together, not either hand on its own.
8:52
